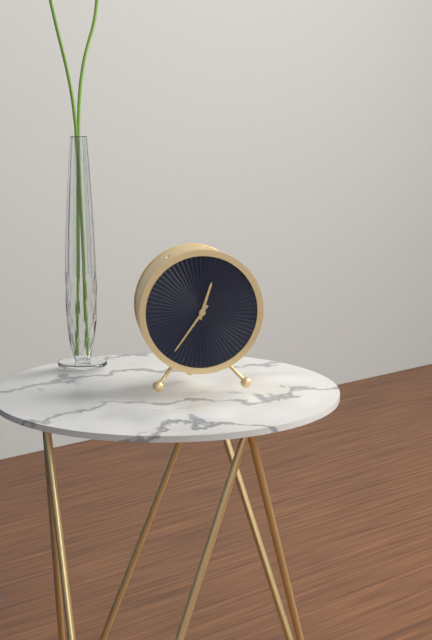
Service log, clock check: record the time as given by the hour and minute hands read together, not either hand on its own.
12:36
